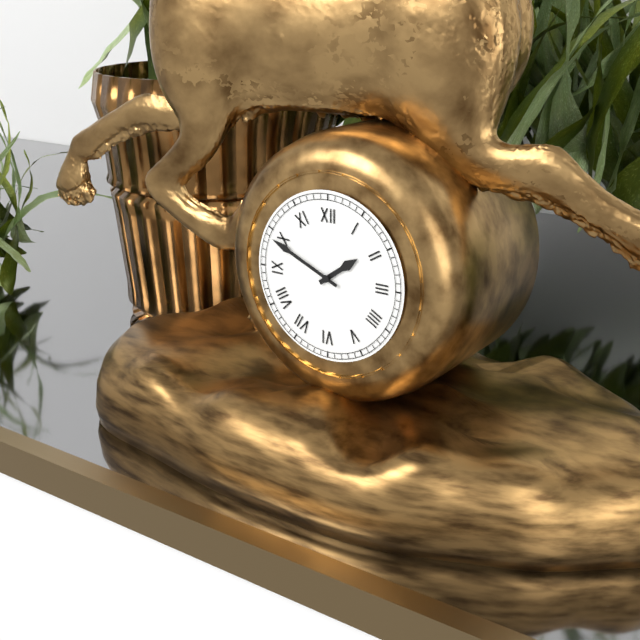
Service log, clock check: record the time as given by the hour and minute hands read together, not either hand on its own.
1:49
